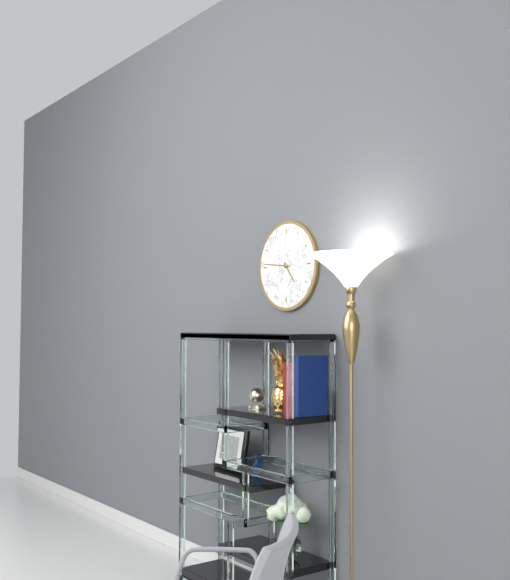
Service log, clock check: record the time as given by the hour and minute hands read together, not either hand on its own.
4:46
